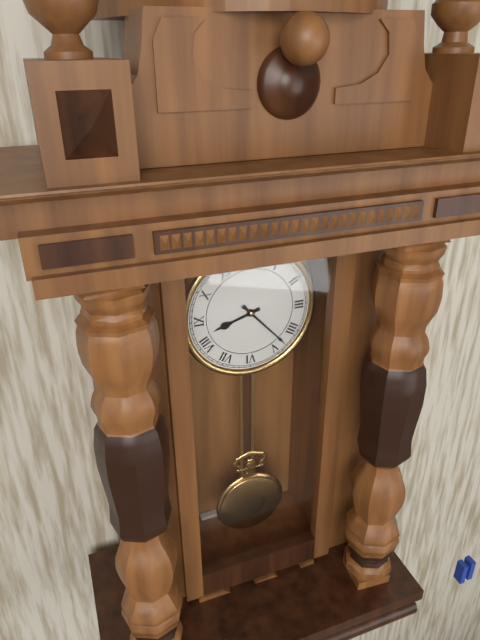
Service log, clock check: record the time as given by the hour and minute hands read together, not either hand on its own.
8:23
